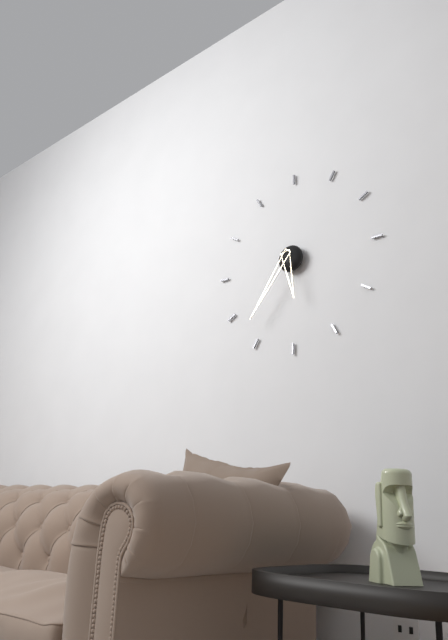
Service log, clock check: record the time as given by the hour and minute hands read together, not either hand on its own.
5:36
